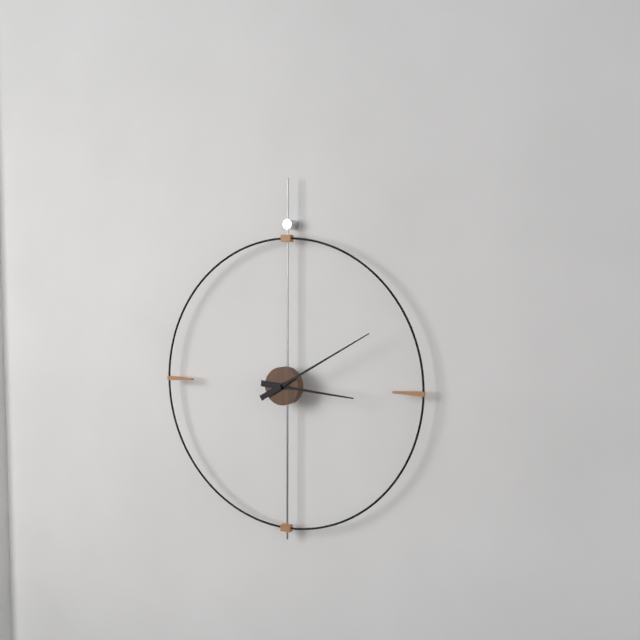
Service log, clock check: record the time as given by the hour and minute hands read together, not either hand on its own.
3:10
